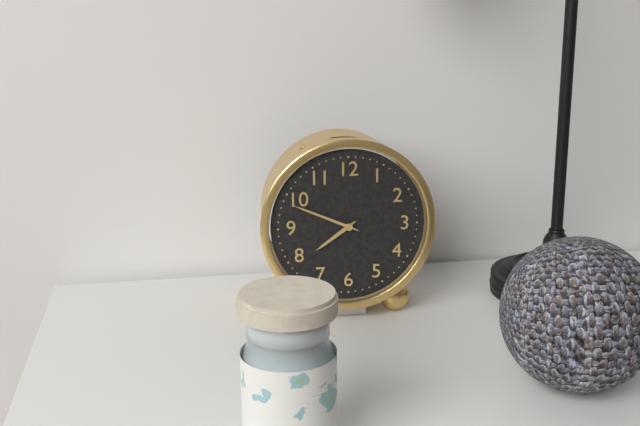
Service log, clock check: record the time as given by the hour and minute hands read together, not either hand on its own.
7:49
